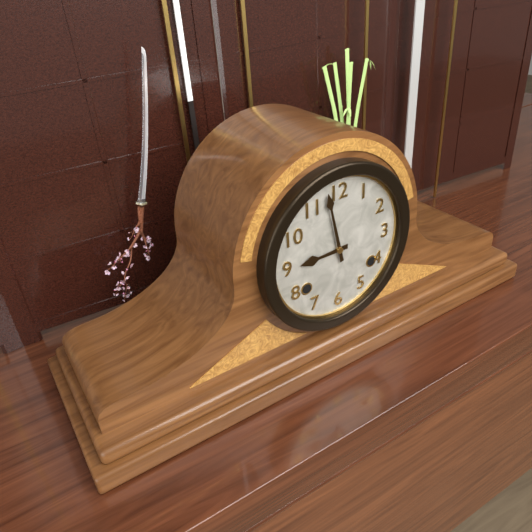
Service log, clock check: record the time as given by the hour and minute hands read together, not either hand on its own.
8:58
